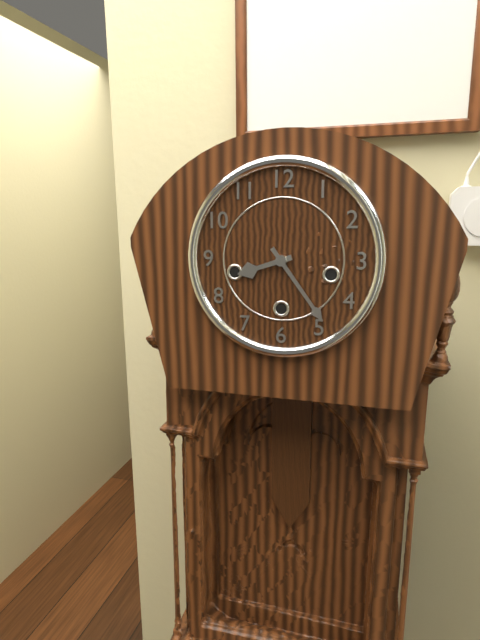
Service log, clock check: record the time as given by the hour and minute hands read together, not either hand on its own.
8:24
